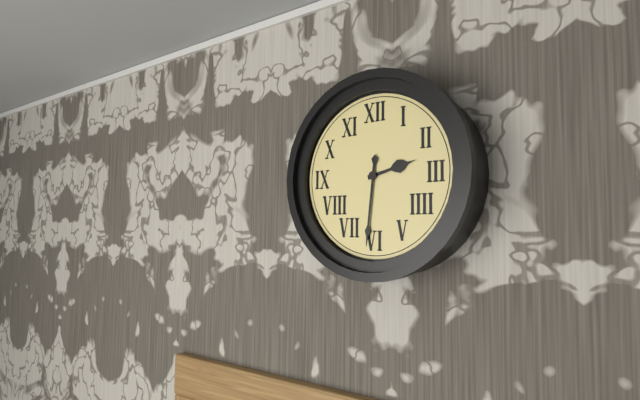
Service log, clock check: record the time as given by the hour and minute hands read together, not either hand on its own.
2:31
